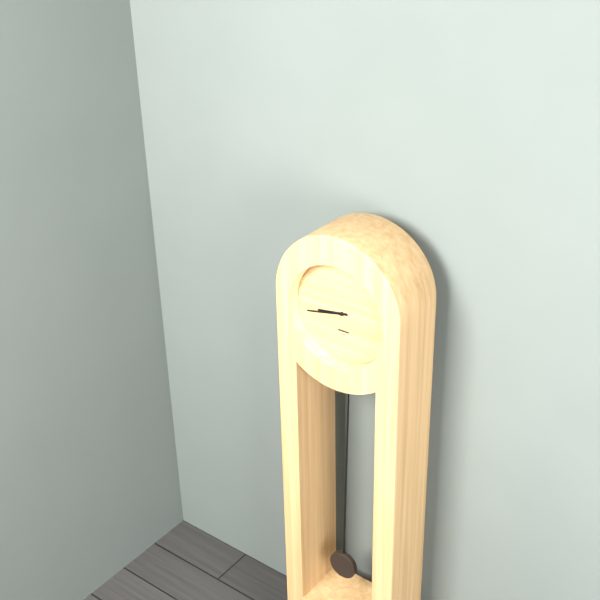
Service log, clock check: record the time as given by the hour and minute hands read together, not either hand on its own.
8:43
